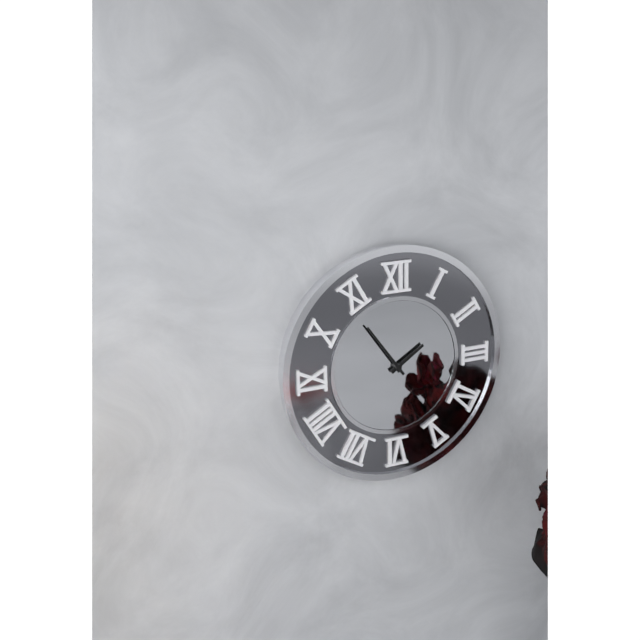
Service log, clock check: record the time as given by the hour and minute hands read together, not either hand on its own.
1:54
